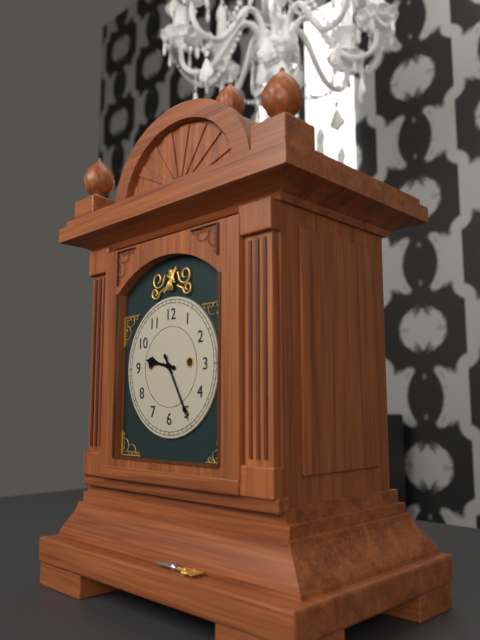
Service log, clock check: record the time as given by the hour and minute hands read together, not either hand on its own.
9:25
